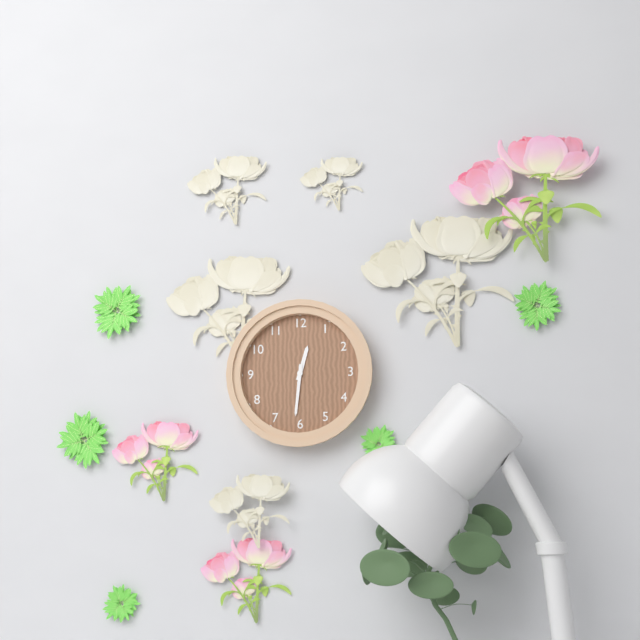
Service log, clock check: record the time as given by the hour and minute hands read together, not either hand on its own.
12:31
